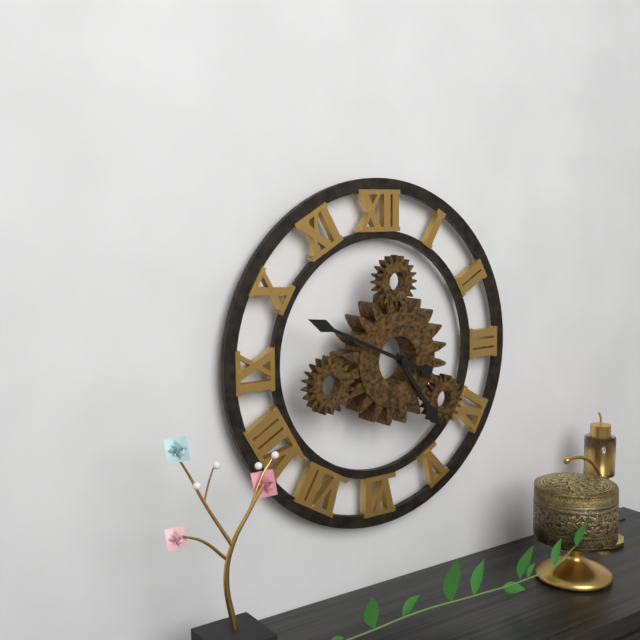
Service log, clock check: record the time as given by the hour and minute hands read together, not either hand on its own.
4:49
